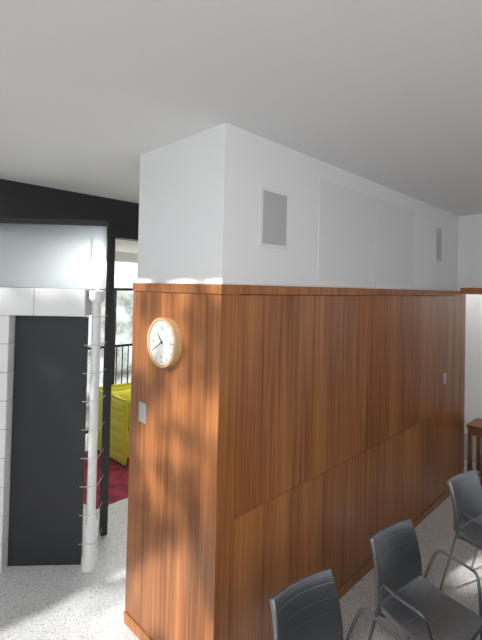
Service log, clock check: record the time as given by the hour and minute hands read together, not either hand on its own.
10:40
